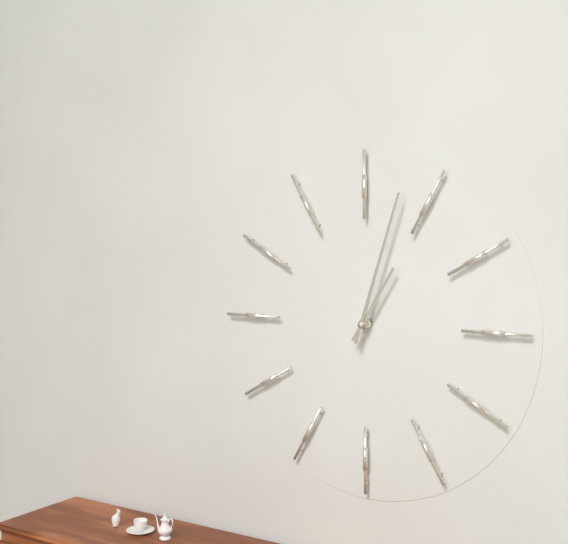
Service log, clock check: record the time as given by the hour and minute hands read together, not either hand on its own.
1:03
